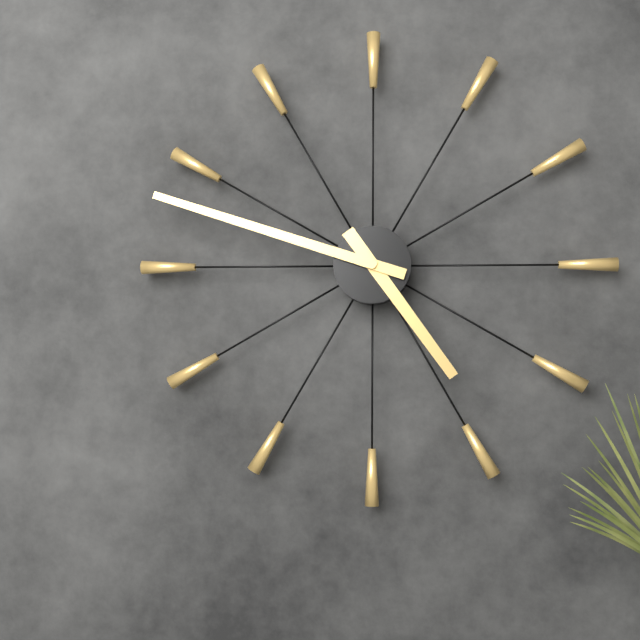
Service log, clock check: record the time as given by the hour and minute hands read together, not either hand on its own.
4:48
